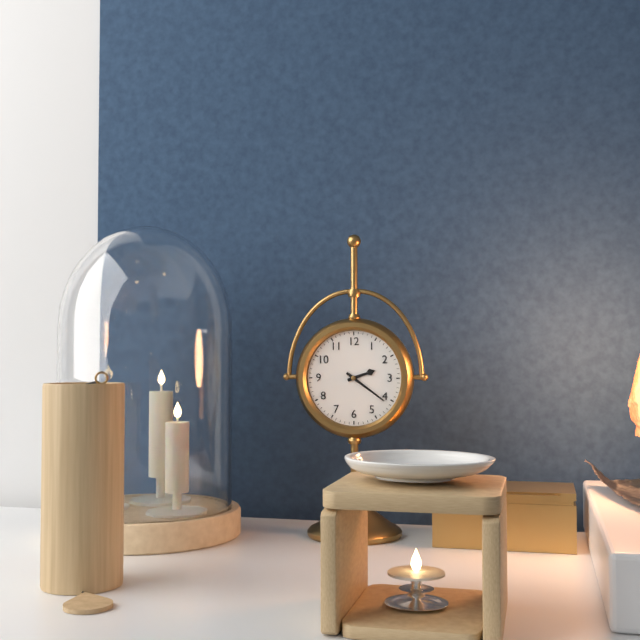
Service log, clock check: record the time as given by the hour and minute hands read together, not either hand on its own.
2:21
